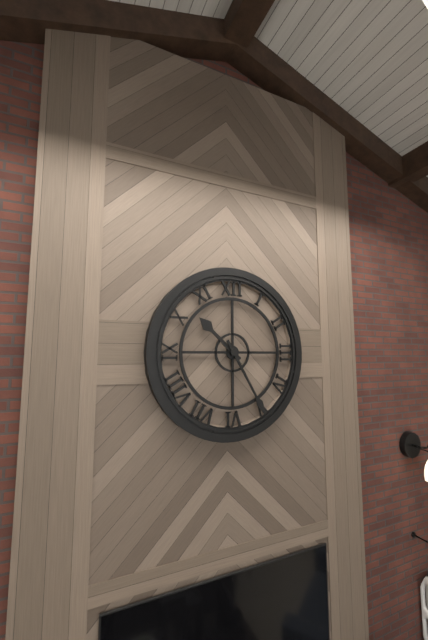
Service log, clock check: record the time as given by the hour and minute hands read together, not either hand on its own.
10:25
